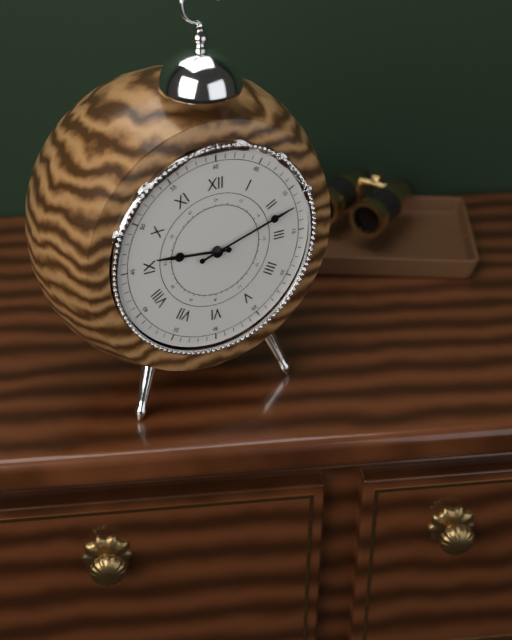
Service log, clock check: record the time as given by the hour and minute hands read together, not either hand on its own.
9:12
